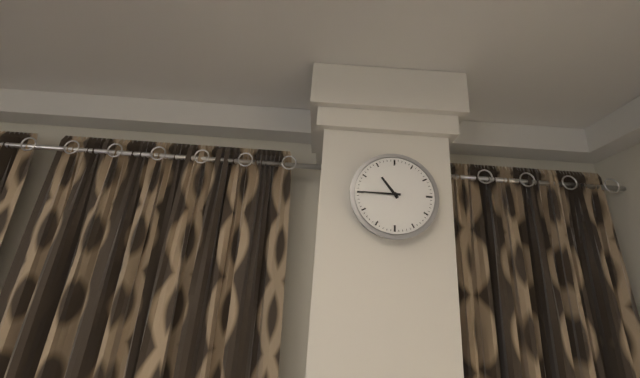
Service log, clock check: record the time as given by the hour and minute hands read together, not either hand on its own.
10:45
